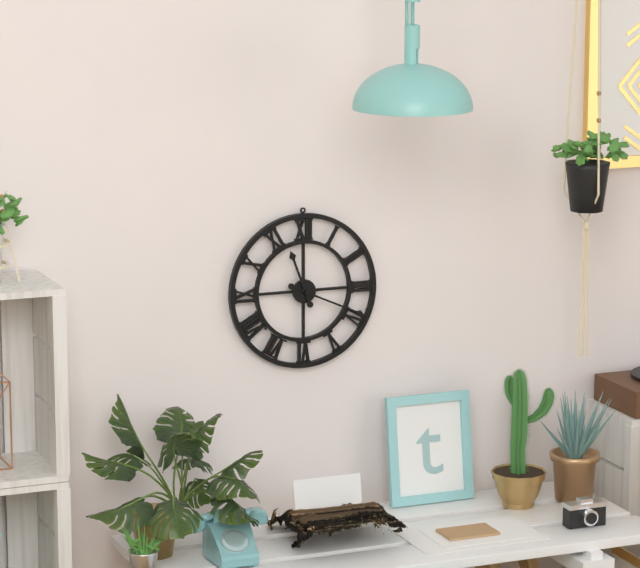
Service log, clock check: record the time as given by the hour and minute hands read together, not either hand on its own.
11:19
